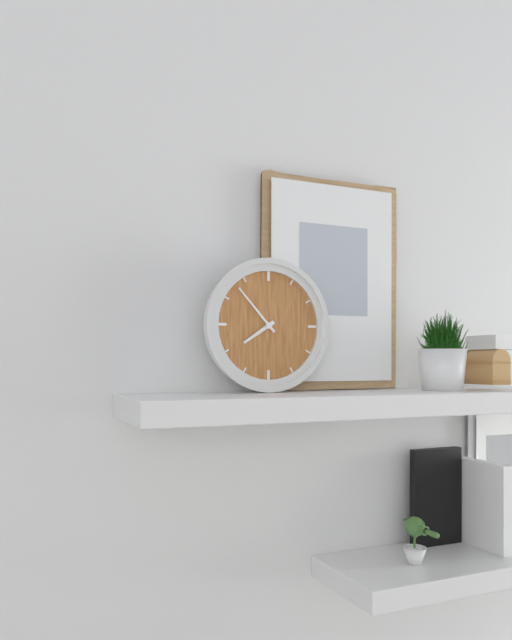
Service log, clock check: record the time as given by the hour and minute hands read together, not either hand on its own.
7:53
